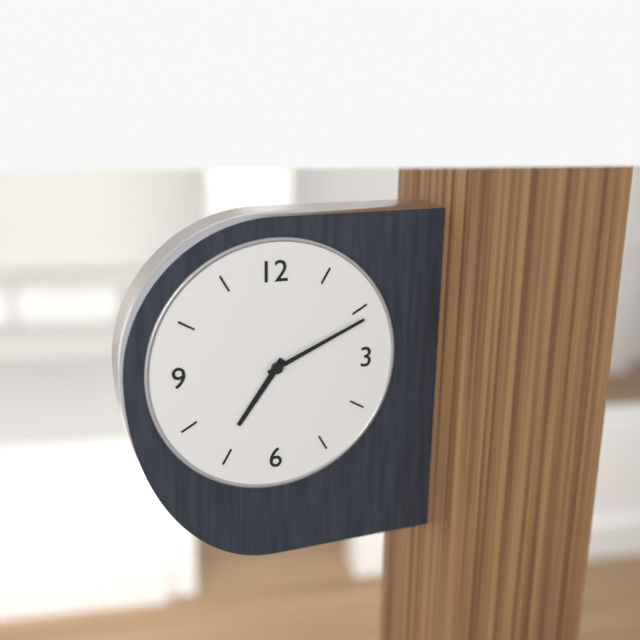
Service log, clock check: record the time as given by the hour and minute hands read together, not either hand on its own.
7:11
